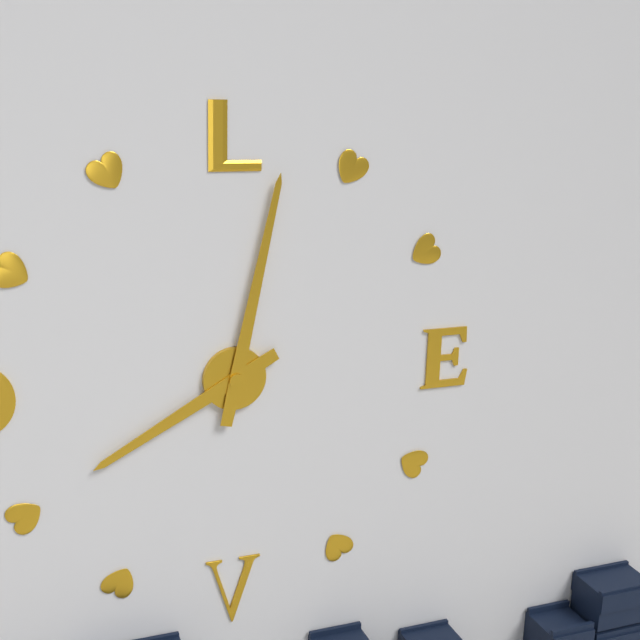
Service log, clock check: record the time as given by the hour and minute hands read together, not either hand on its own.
8:02
